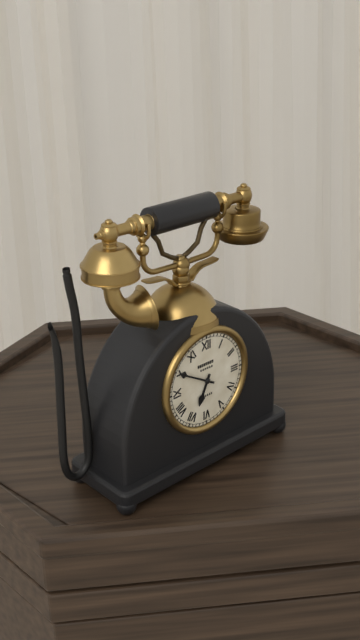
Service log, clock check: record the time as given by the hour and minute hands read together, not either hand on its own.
6:50
